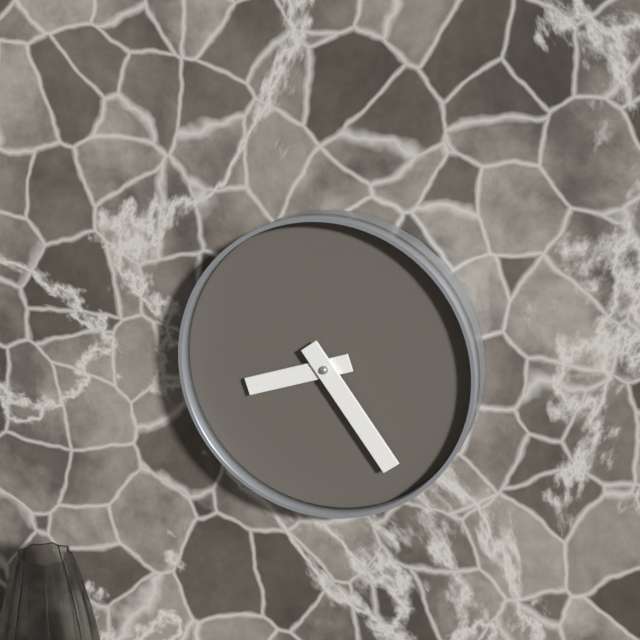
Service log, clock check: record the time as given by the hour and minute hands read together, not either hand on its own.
8:24
